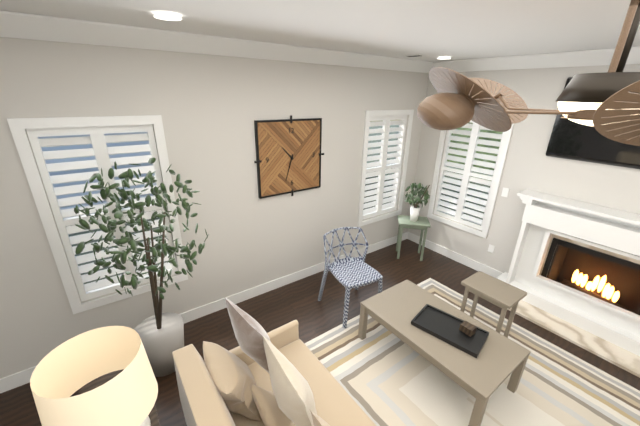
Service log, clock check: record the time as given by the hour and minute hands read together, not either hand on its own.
10:33
